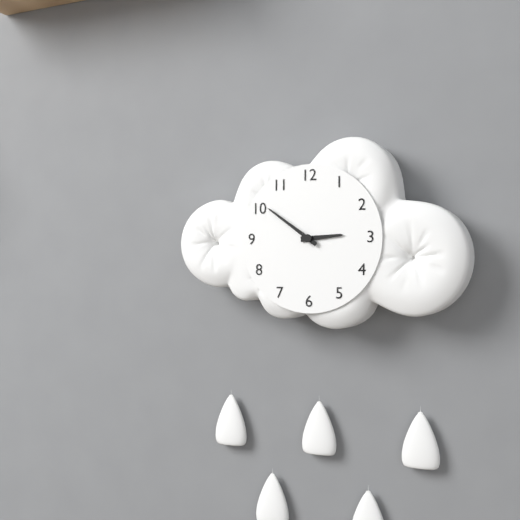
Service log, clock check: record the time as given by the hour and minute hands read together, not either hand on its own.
2:51
